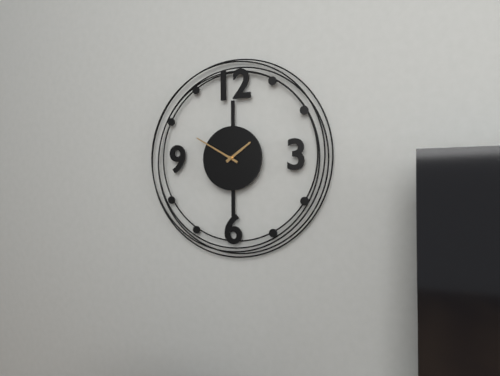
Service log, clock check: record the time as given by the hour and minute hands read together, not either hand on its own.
1:50
